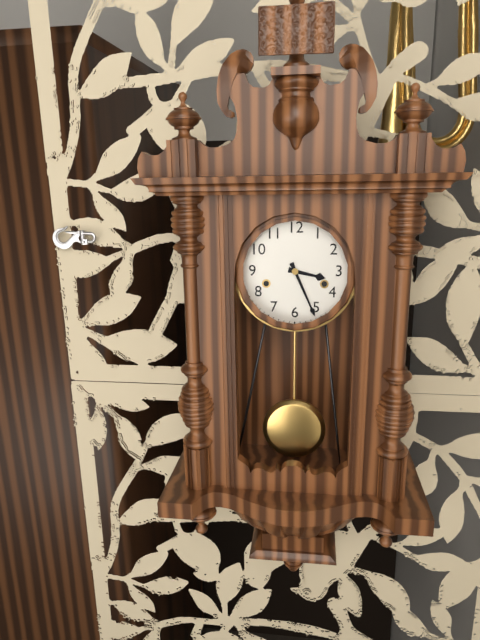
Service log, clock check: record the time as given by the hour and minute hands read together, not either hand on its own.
3:26
